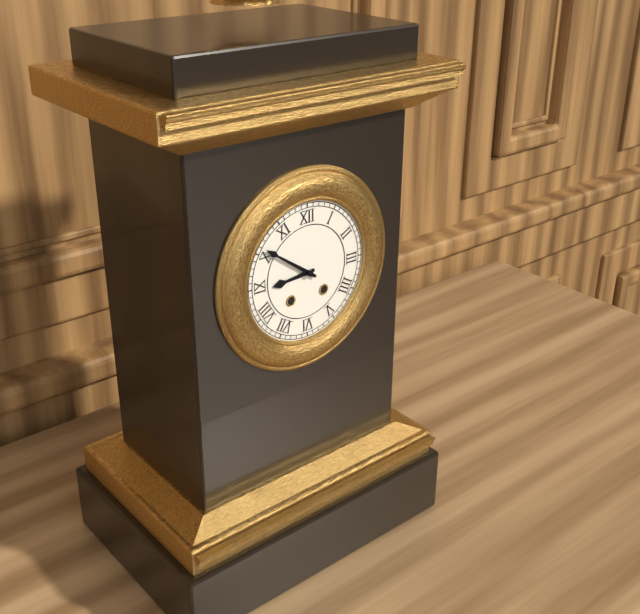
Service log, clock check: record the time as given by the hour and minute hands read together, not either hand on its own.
8:51
